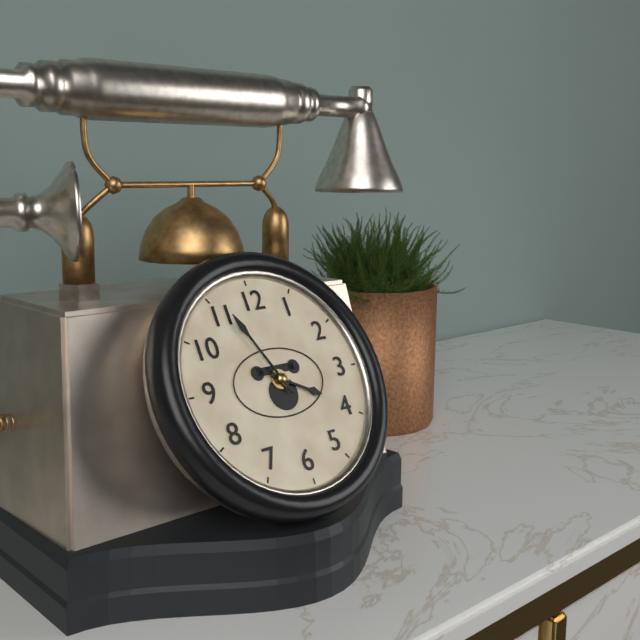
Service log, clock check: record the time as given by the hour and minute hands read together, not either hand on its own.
3:56
